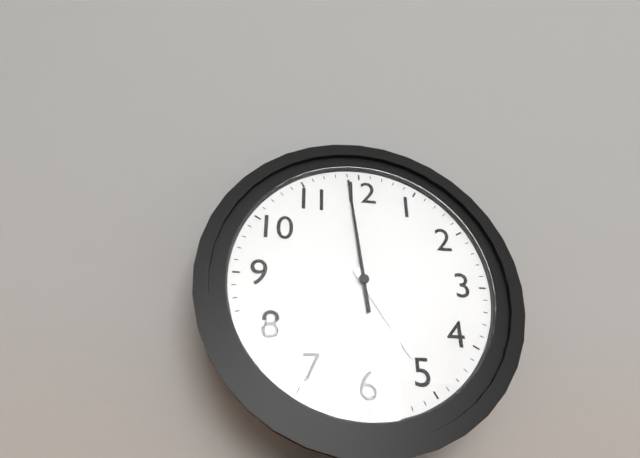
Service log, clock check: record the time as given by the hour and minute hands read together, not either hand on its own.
4:59
